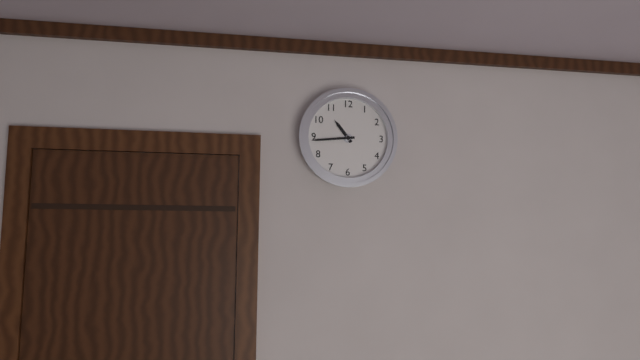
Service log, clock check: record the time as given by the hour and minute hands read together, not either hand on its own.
10:44
